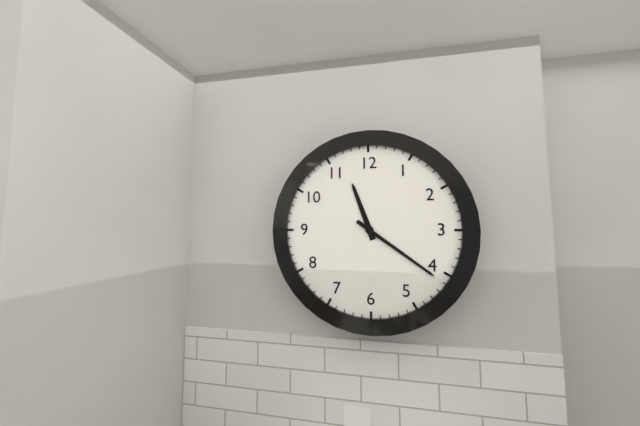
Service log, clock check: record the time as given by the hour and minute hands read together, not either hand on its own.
11:21
